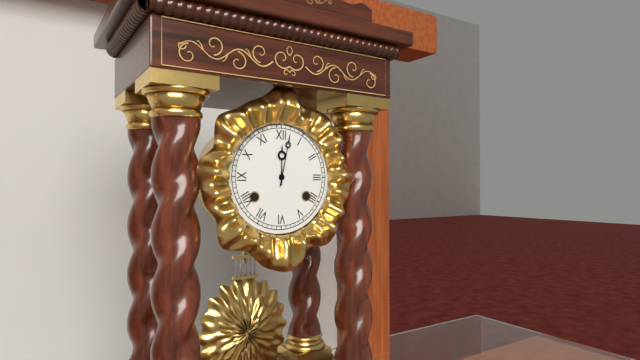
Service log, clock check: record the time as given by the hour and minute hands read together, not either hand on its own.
12:02
